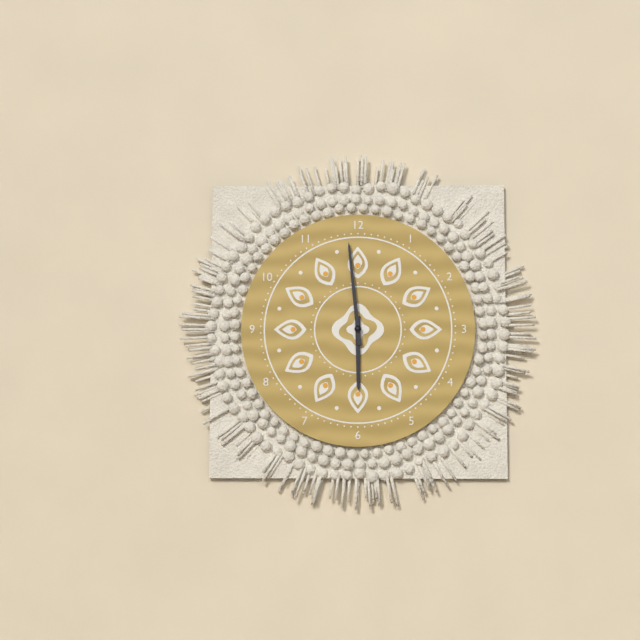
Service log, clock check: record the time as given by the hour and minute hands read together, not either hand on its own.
5:59
